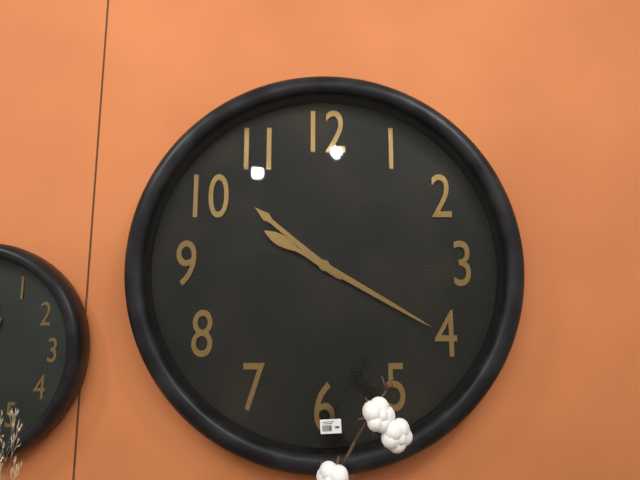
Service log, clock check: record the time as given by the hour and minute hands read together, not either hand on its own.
10:20
